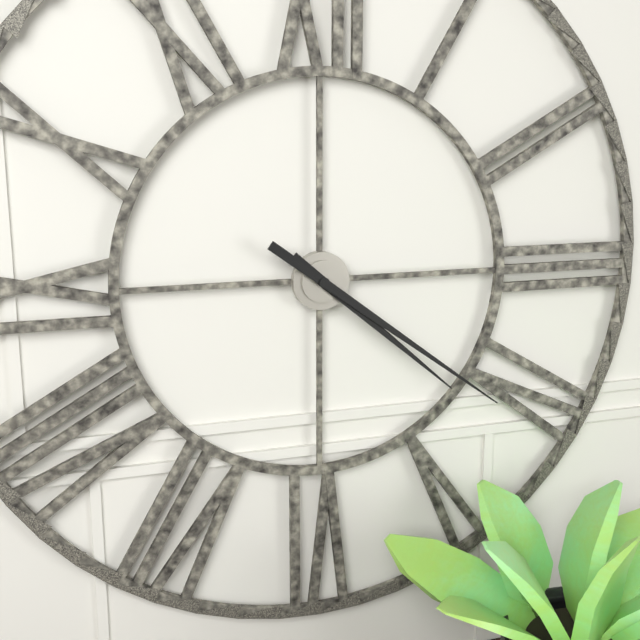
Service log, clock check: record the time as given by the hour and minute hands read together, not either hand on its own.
4:21
